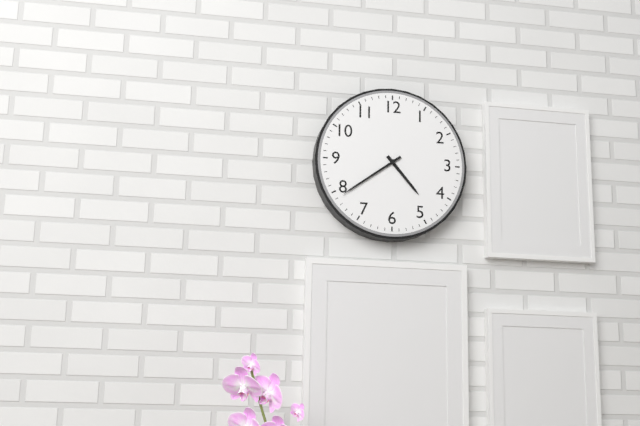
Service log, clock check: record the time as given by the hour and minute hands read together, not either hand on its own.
4:39
